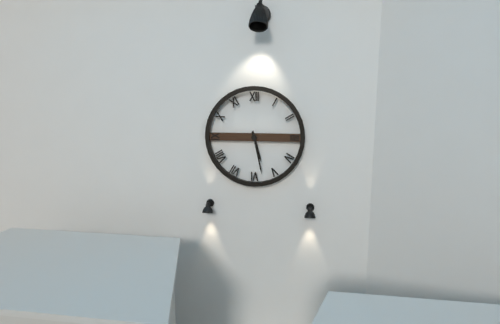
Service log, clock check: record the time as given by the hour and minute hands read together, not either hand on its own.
5:28
